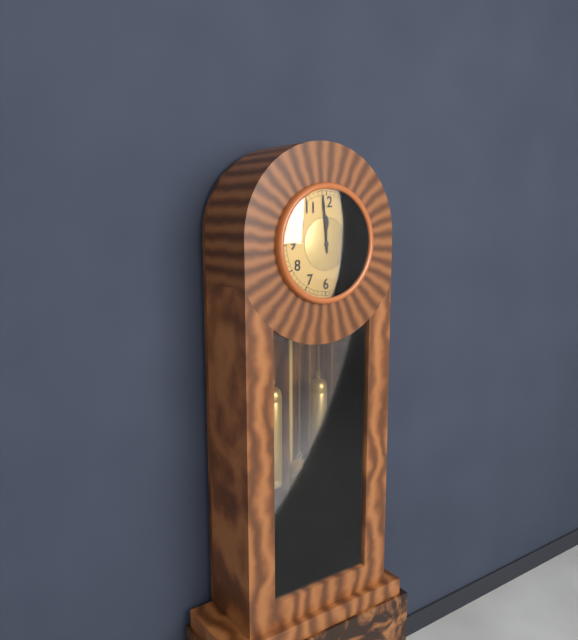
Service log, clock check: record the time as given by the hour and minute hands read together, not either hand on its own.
11:59
